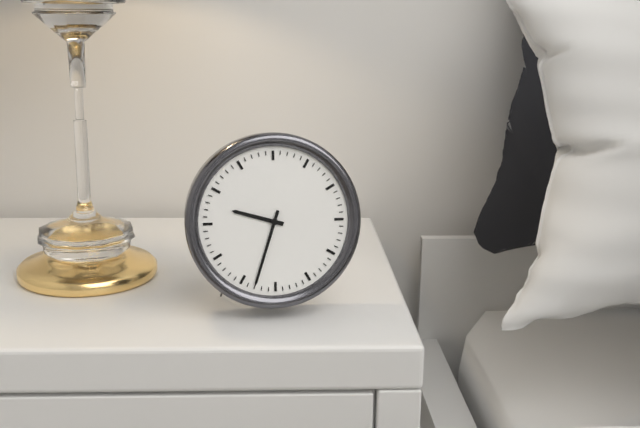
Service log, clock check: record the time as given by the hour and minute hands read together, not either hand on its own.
9:33
